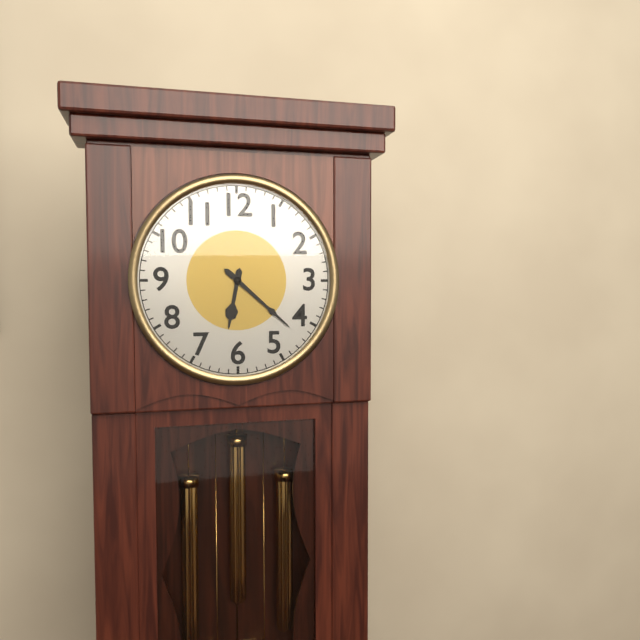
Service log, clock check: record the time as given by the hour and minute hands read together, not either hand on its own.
6:22
